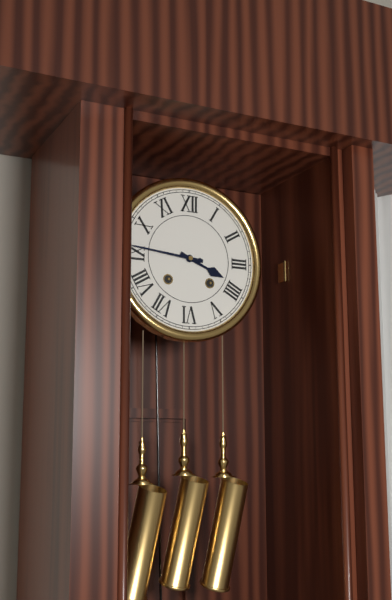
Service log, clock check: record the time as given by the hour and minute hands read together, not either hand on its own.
3:46
